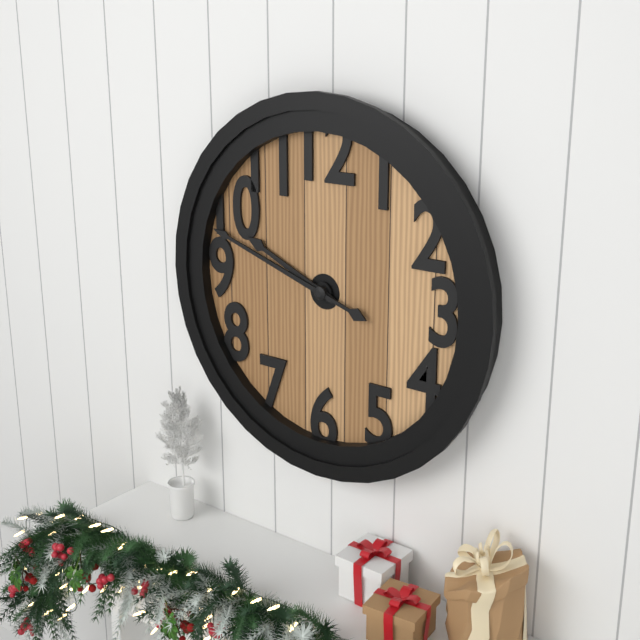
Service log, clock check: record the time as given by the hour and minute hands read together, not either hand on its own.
9:48
